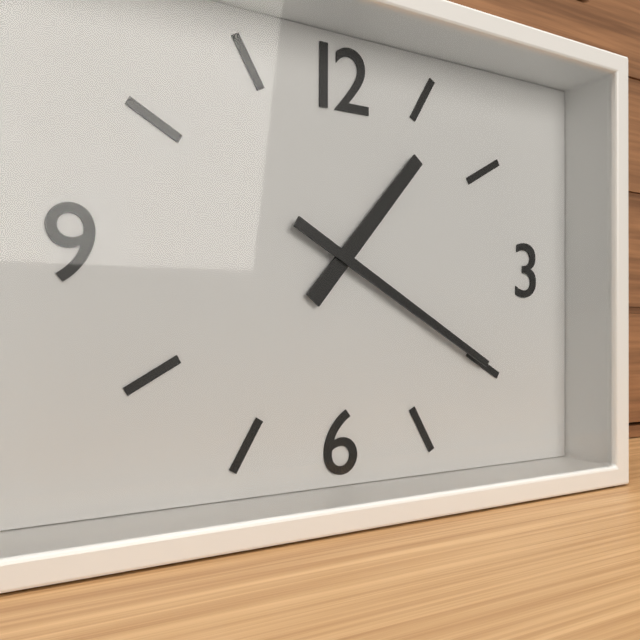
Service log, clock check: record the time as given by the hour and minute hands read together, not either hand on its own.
1:20
